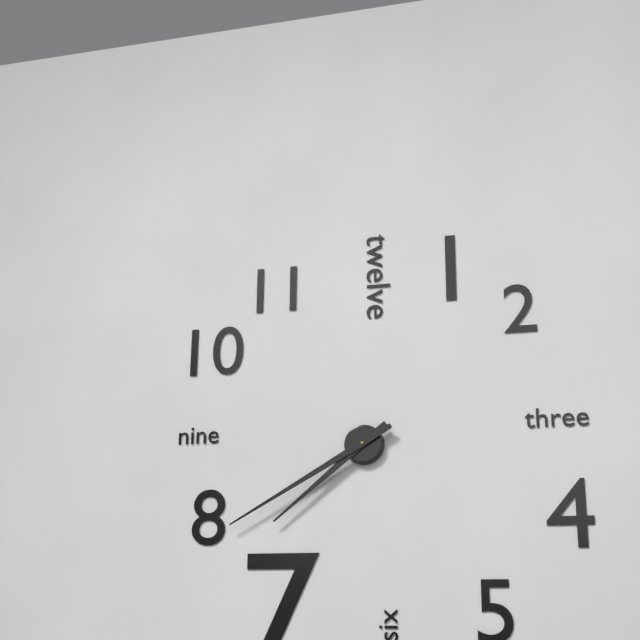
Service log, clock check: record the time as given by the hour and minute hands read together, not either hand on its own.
7:40
